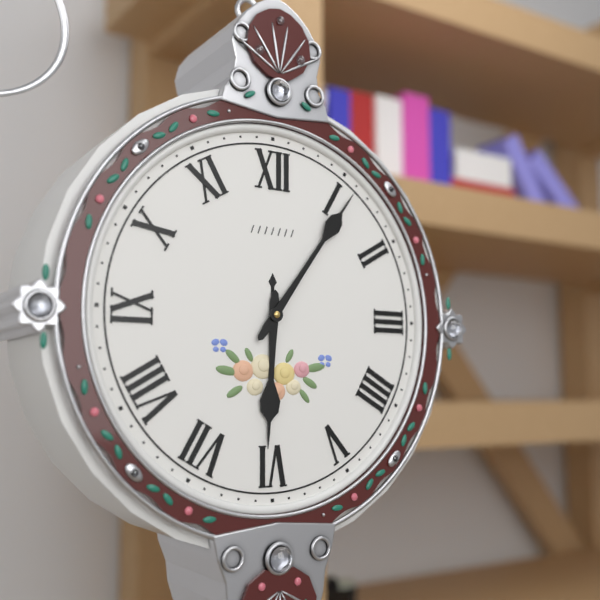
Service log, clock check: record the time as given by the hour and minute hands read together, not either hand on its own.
6:06
